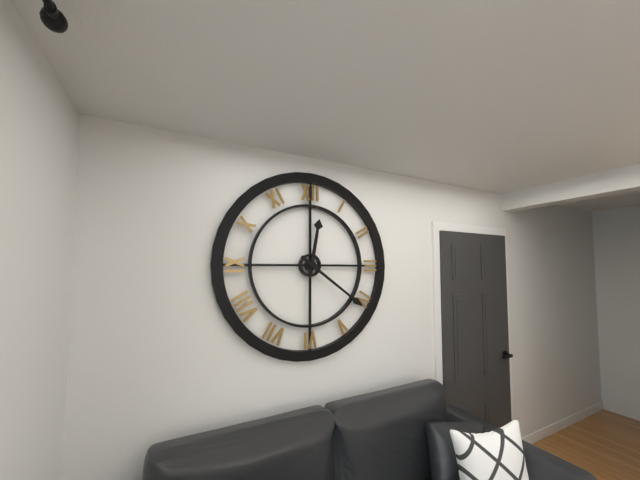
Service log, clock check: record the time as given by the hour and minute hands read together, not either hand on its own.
12:21
